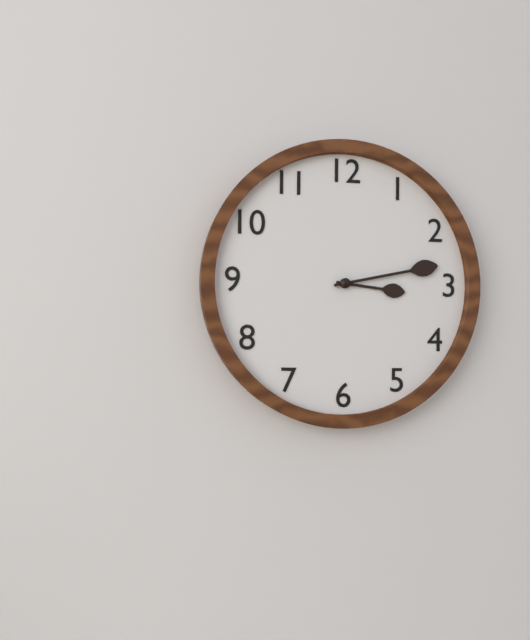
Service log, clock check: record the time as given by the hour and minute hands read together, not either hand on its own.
3:13
